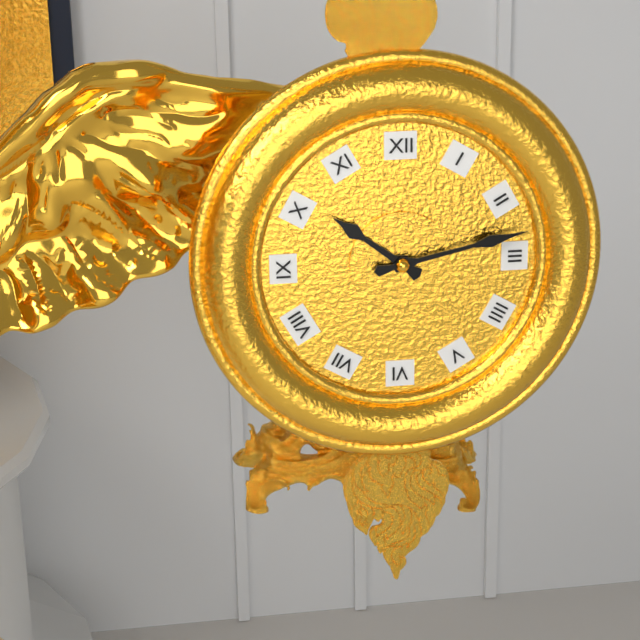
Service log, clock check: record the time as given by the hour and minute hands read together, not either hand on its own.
10:13
